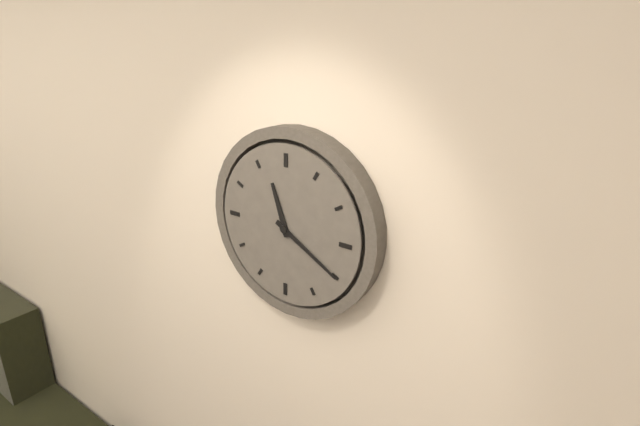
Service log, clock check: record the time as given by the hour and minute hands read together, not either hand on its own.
11:20
